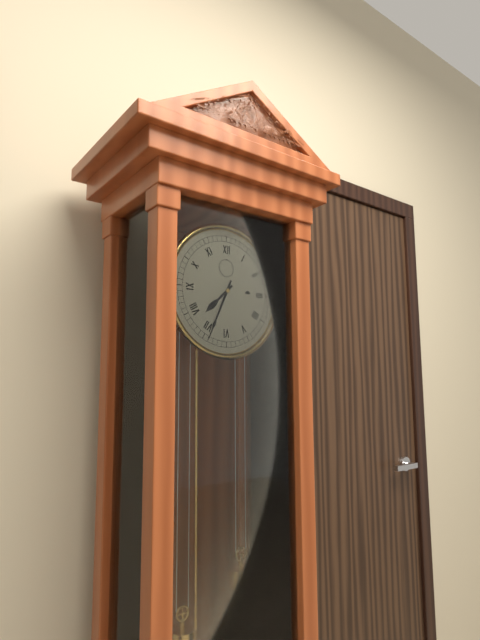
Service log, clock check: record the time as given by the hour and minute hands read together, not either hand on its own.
7:34
